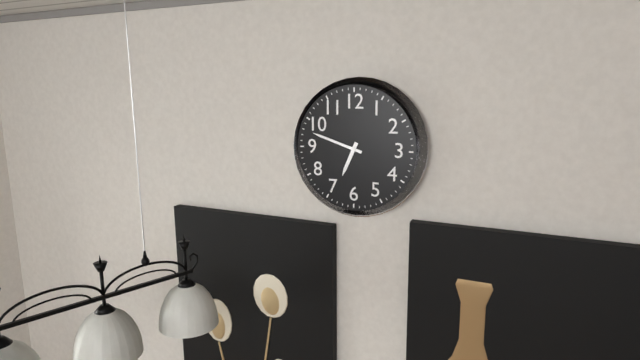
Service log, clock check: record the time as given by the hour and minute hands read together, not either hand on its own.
6:48
